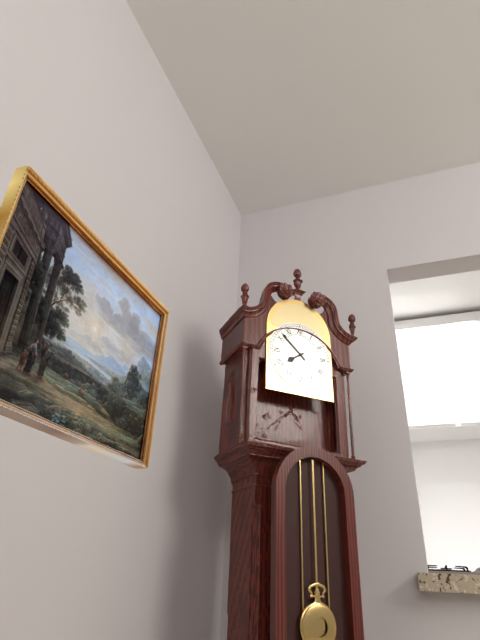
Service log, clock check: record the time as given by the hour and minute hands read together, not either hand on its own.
7:52
